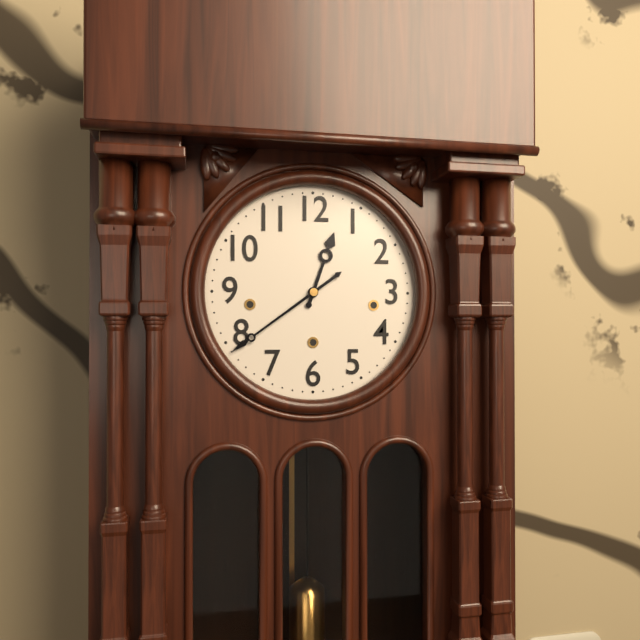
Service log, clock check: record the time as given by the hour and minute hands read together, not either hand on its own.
12:39
